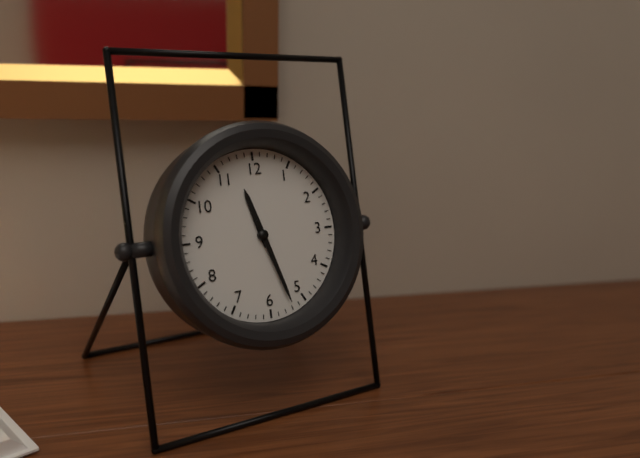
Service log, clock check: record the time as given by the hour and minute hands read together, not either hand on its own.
11:27
